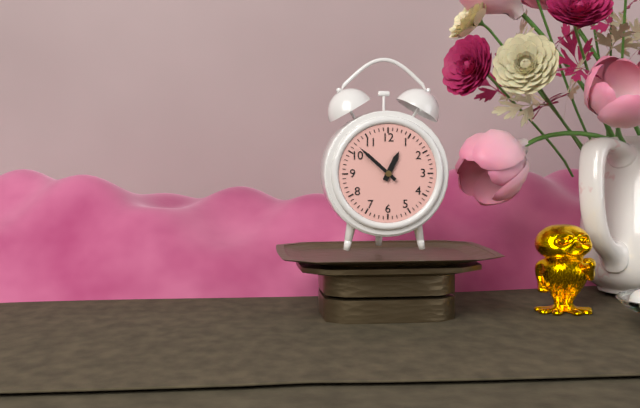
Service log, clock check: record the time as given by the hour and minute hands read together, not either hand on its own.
12:52
